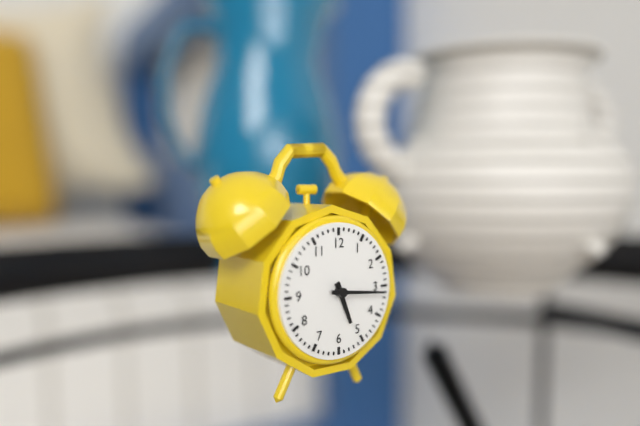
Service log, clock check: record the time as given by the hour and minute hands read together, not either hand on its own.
5:16
